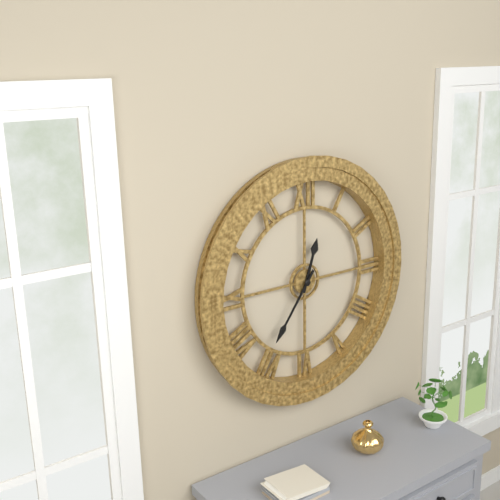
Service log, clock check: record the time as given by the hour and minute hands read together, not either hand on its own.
12:36
